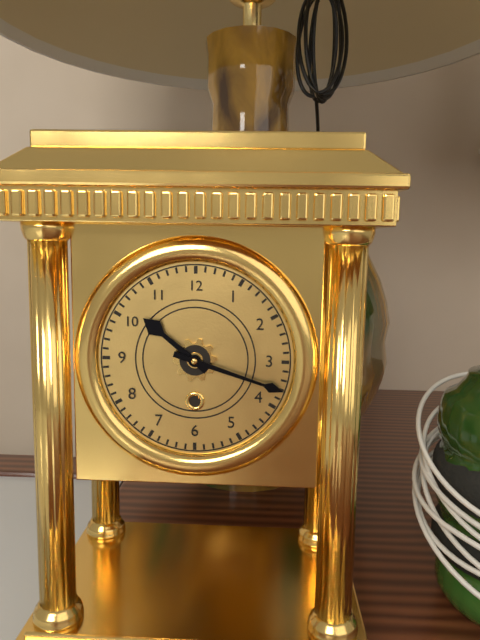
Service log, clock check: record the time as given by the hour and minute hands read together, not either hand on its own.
10:18
